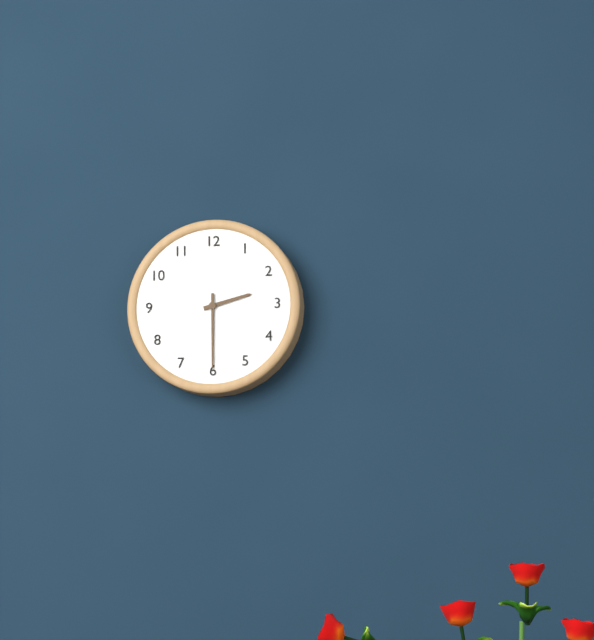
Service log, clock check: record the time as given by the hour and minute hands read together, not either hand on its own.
2:30
